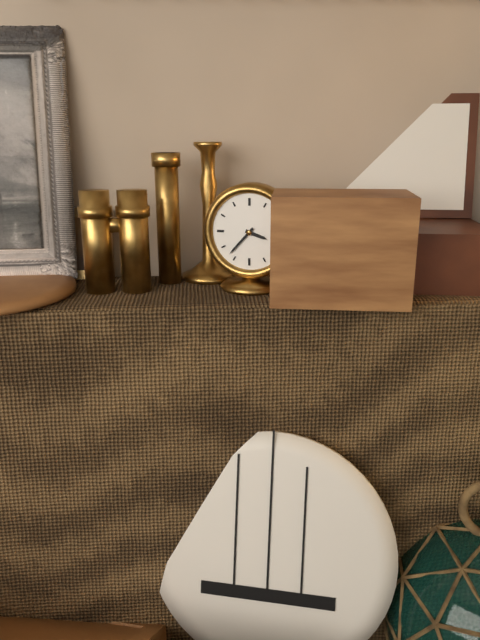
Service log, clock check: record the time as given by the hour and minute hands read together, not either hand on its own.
3:37
